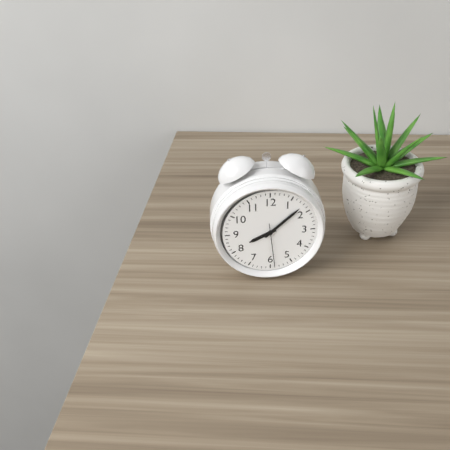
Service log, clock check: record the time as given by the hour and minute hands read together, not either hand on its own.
8:08
